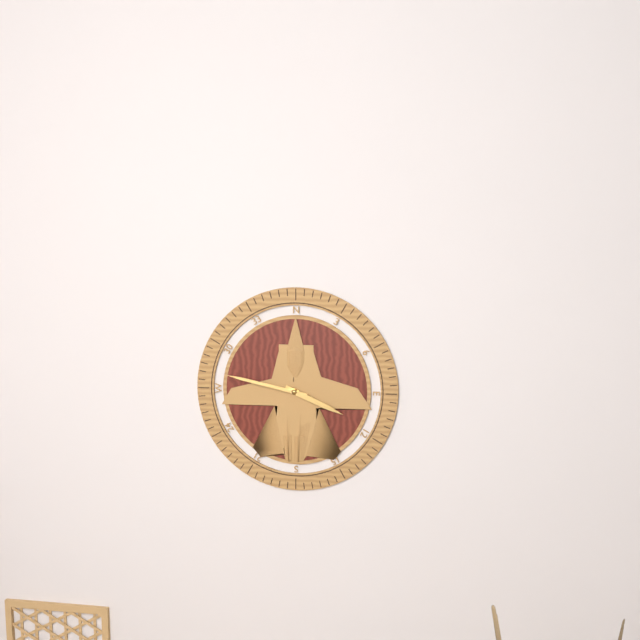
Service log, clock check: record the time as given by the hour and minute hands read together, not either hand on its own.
3:47
